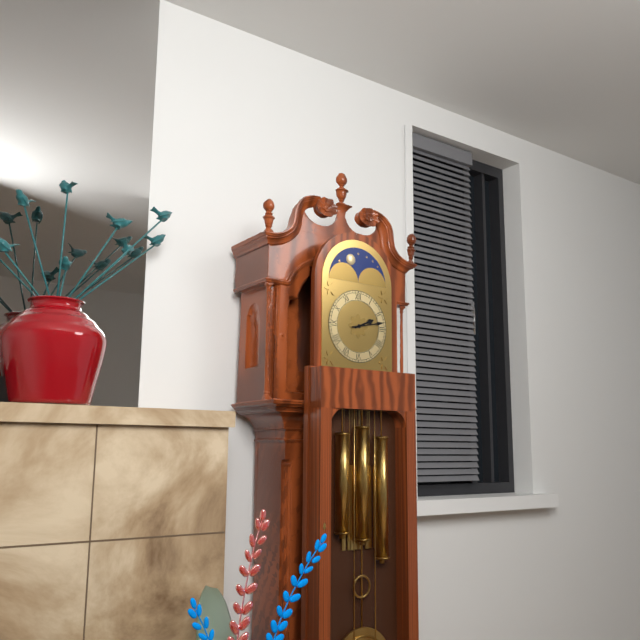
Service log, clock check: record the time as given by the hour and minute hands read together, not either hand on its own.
2:13
